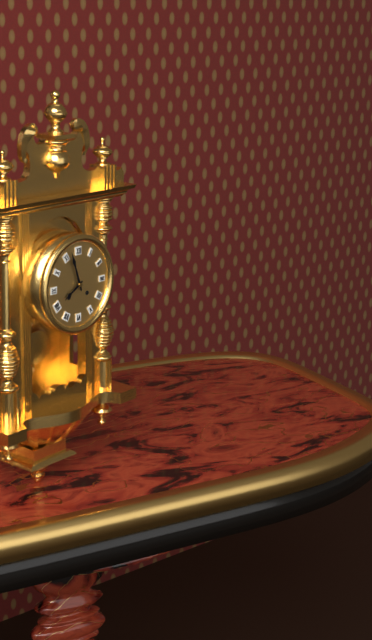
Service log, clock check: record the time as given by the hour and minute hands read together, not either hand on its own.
7:57
